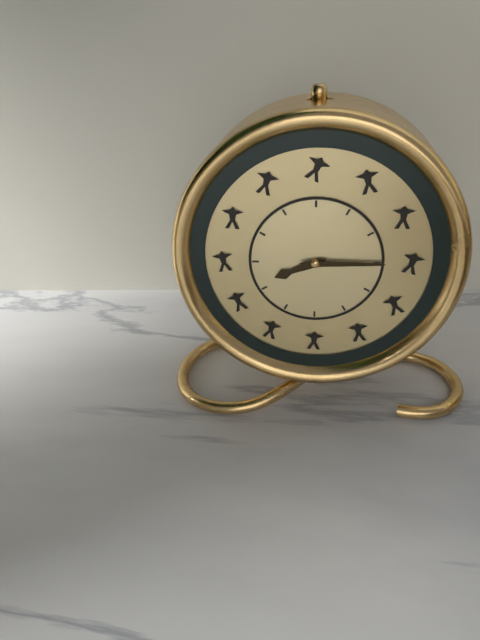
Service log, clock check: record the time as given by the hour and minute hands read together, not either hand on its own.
8:15
